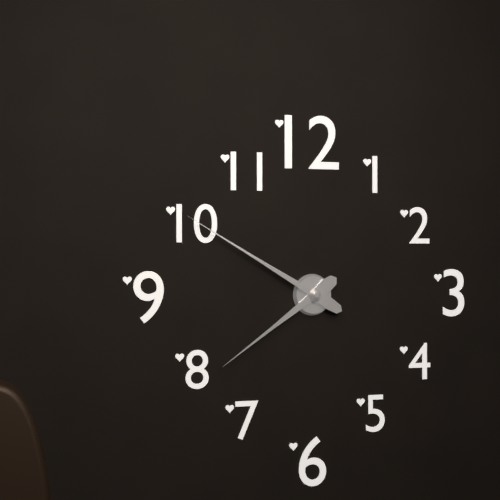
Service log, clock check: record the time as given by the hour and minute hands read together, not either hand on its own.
7:50
